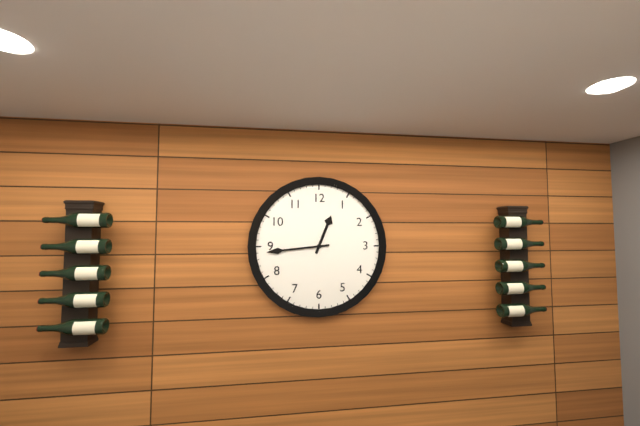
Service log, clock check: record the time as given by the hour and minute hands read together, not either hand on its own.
12:44
